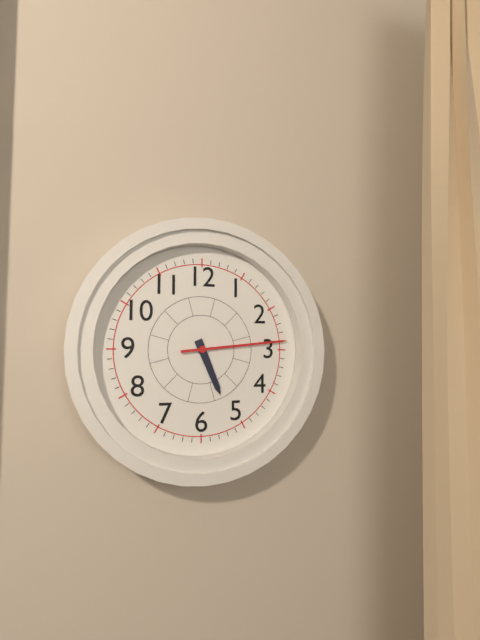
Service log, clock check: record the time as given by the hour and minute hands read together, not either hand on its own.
5:14
